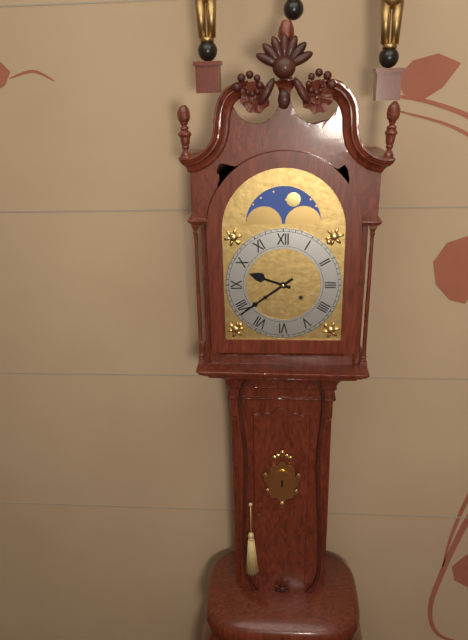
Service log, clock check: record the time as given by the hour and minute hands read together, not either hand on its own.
9:39
